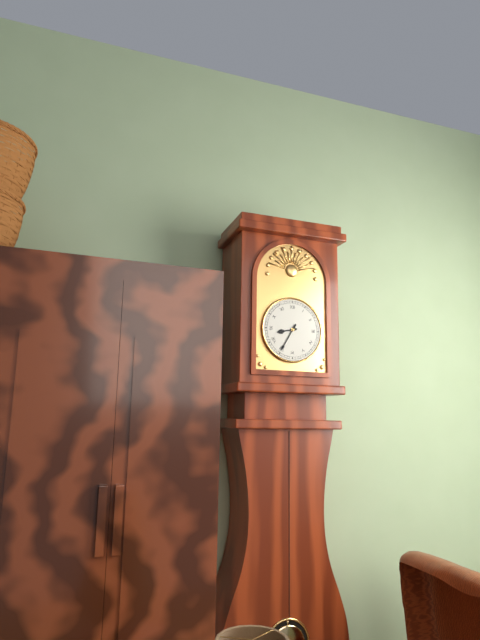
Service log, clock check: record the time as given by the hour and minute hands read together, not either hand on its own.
8:35
